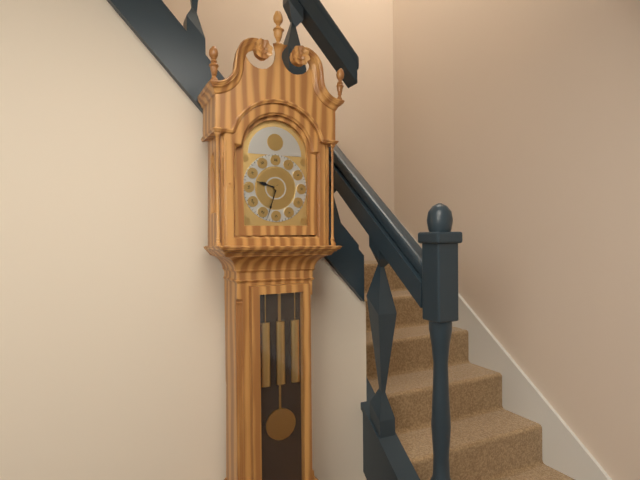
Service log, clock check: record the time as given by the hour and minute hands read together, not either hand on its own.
9:33
